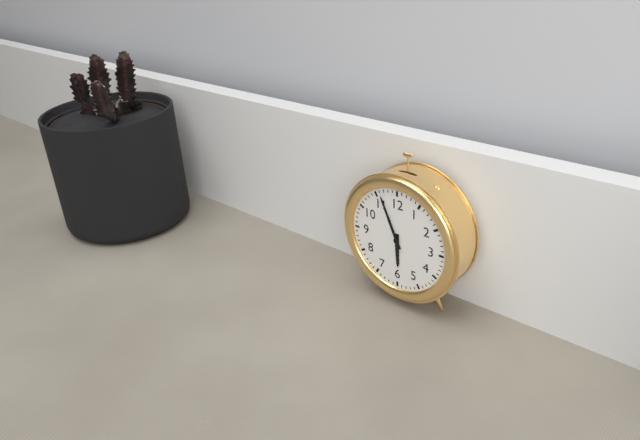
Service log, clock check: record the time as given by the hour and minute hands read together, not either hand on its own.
5:56
